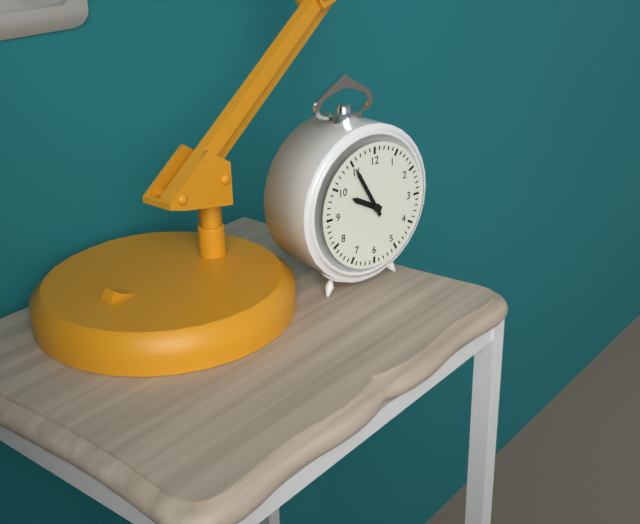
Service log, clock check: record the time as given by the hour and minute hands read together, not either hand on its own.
9:55
